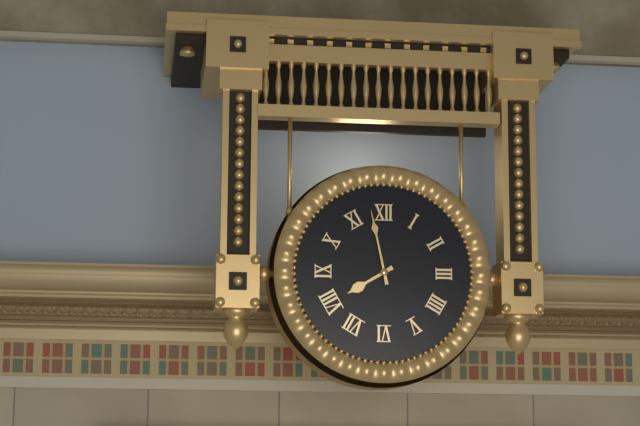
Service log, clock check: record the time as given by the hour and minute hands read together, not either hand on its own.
7:58
